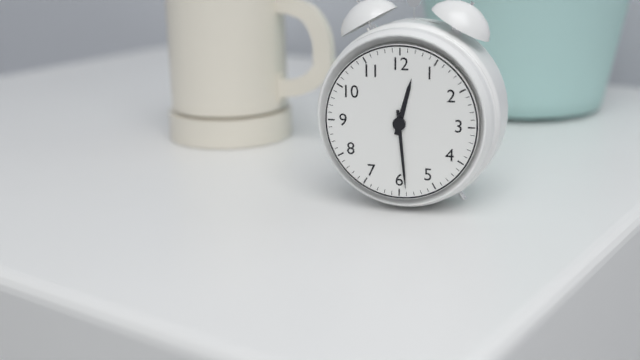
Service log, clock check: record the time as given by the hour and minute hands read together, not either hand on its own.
12:29
